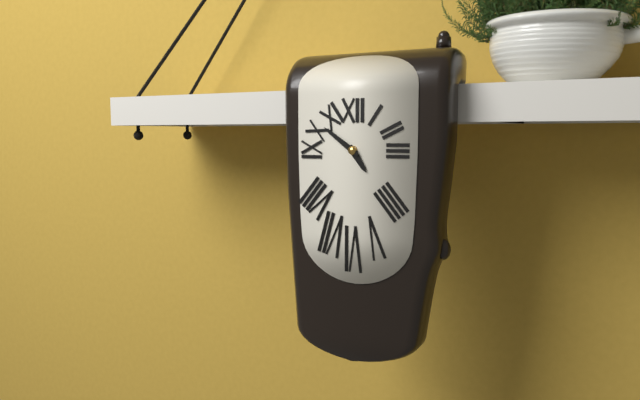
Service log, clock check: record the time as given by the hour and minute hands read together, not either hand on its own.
4:51
